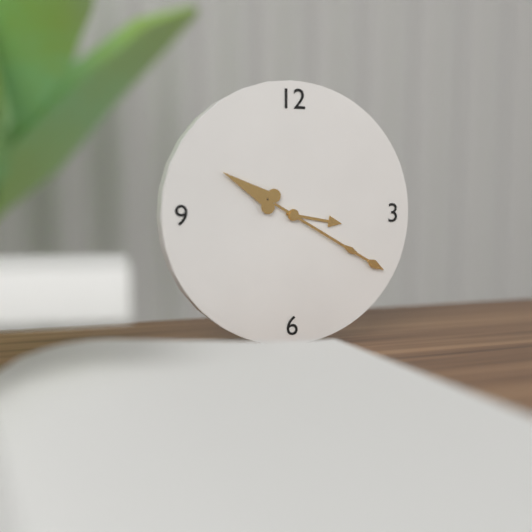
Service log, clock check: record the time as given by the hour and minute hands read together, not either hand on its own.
3:20
